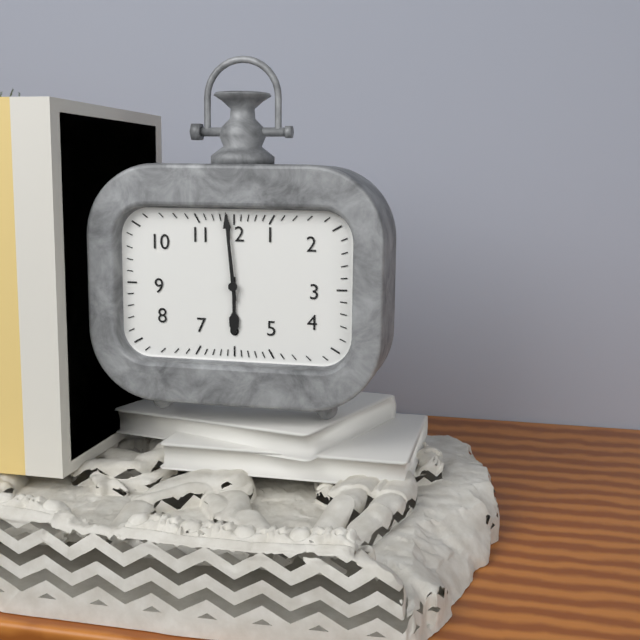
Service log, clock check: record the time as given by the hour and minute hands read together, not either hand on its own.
5:59
